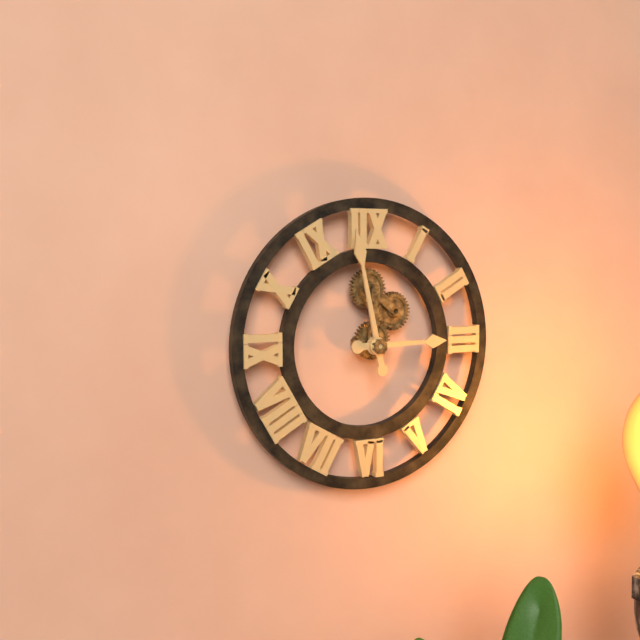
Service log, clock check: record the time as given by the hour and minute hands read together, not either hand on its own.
2:58
